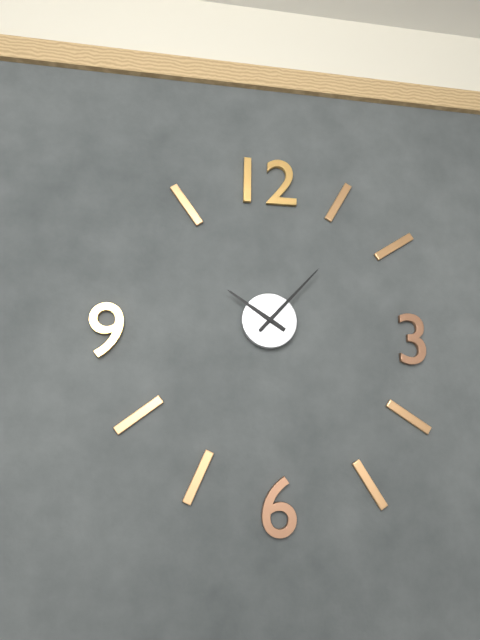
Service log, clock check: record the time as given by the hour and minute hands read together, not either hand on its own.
10:07
